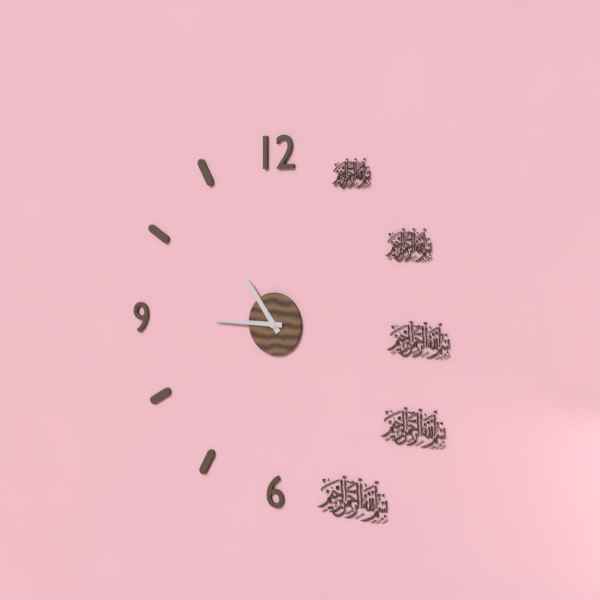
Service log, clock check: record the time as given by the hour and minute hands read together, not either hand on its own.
10:45
